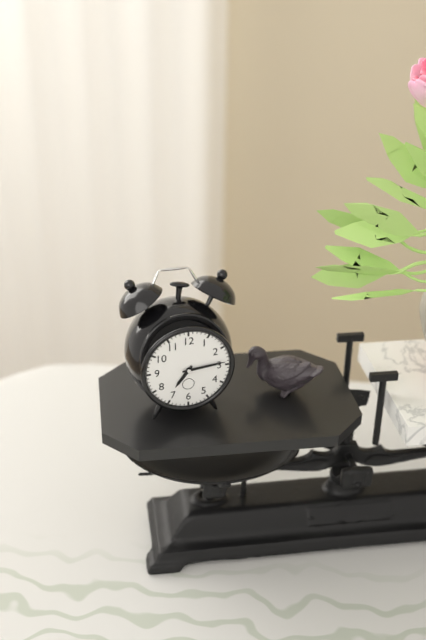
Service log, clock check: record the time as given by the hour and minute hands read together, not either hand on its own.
7:14
